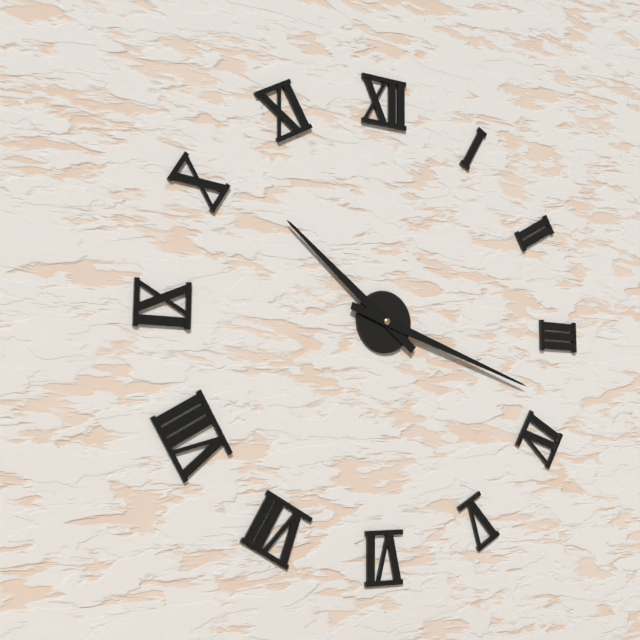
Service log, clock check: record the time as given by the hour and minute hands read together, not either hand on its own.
10:18
